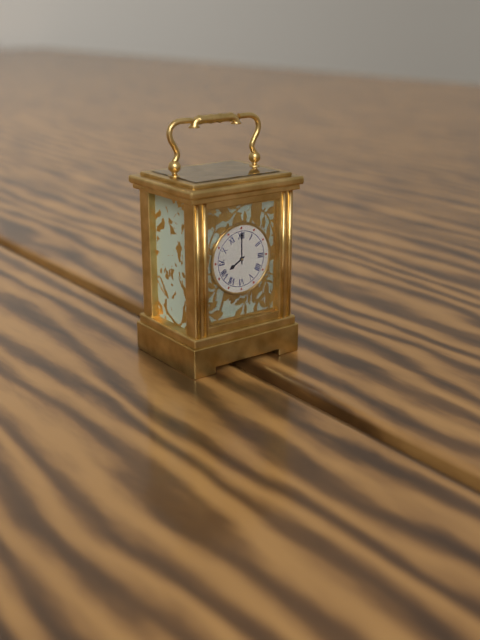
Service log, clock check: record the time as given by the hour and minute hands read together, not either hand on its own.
8:00
